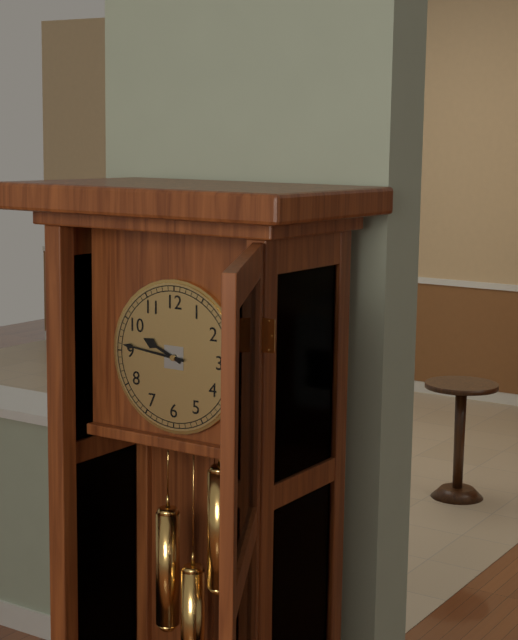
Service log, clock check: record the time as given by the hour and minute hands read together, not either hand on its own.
9:46
